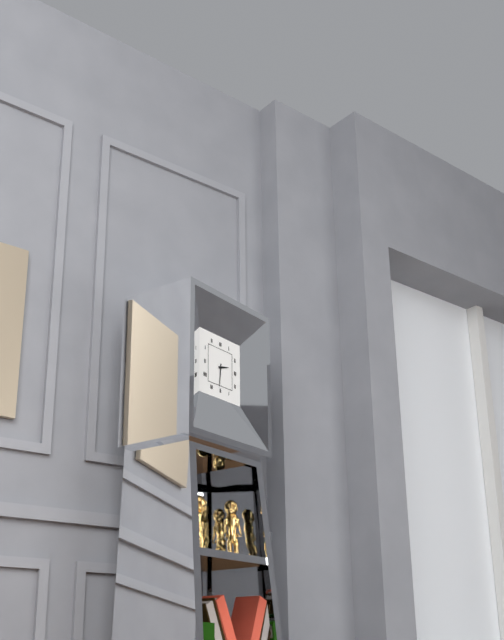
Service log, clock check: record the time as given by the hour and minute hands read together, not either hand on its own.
2:31
